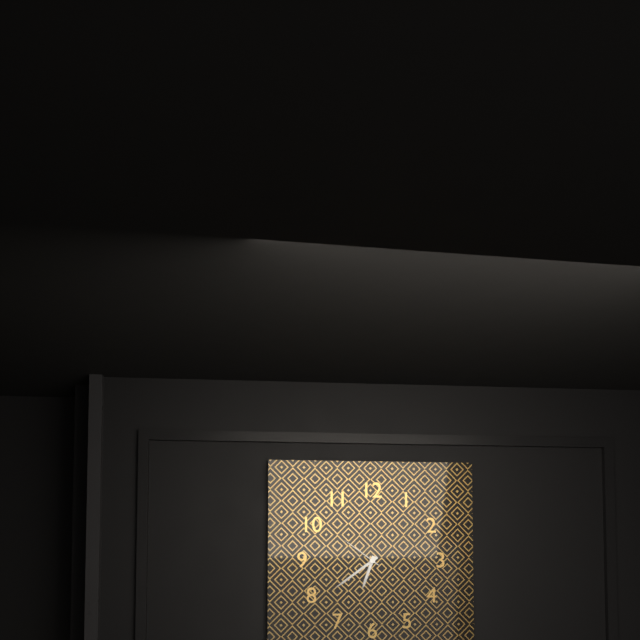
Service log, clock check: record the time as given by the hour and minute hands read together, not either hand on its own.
6:39
